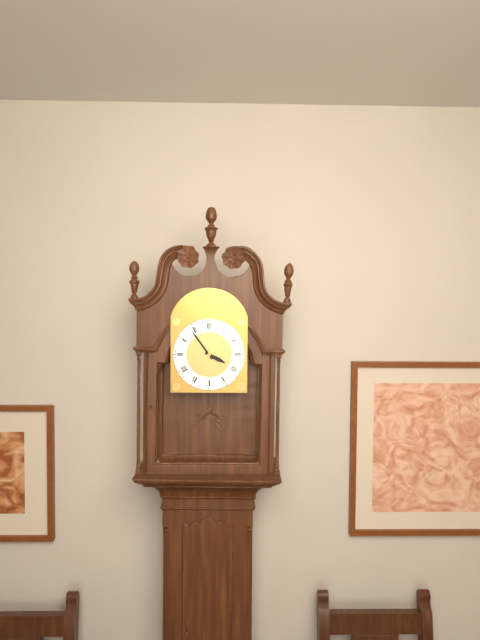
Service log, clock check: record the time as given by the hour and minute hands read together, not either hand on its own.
3:54
